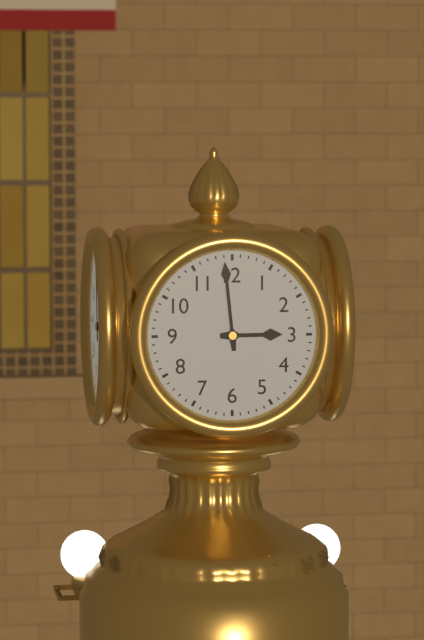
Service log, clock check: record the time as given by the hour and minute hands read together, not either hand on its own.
2:59
